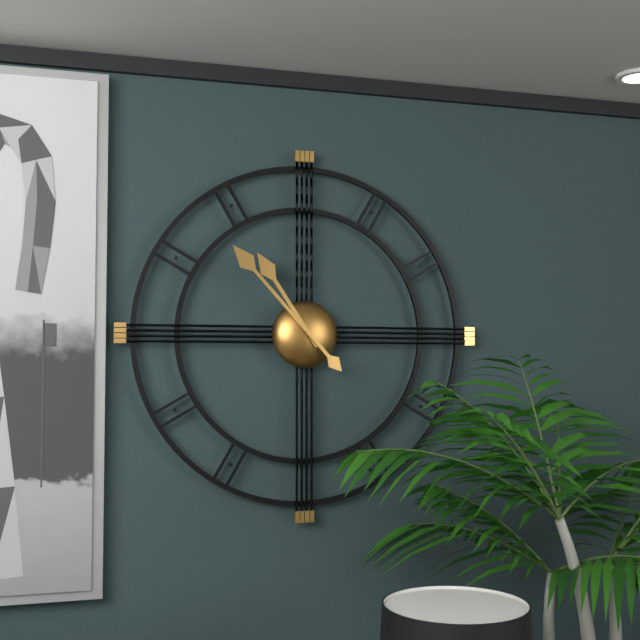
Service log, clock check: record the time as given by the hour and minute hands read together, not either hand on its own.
10:53
